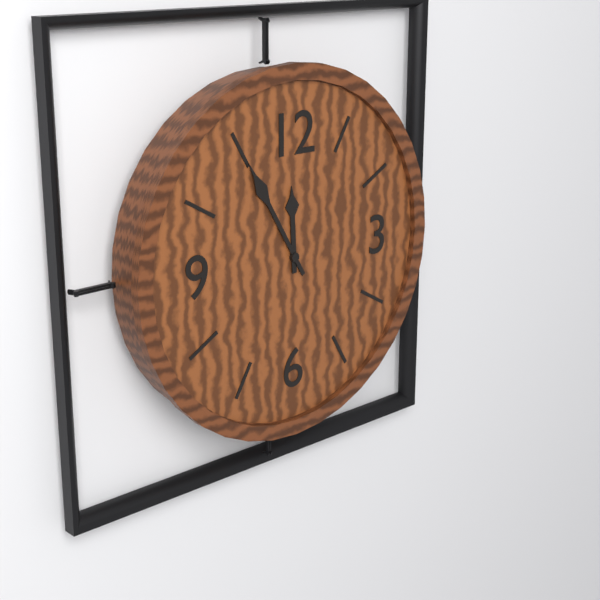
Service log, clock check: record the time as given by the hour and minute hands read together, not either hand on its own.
11:55
